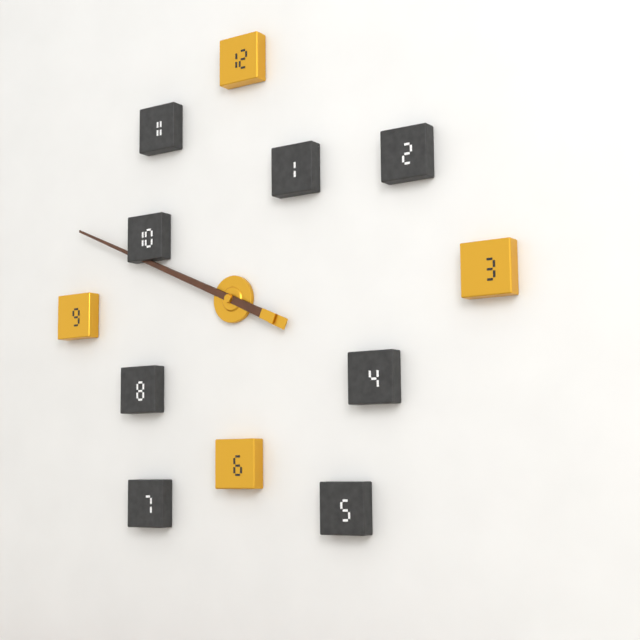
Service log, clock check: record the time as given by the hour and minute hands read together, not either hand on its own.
9:49
